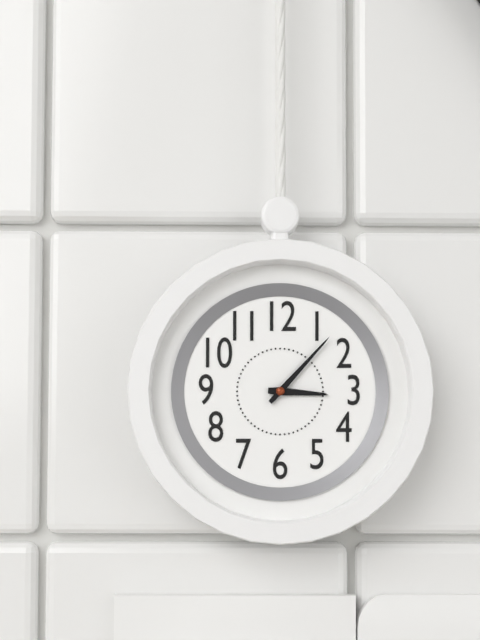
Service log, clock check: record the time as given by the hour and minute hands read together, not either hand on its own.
3:07
